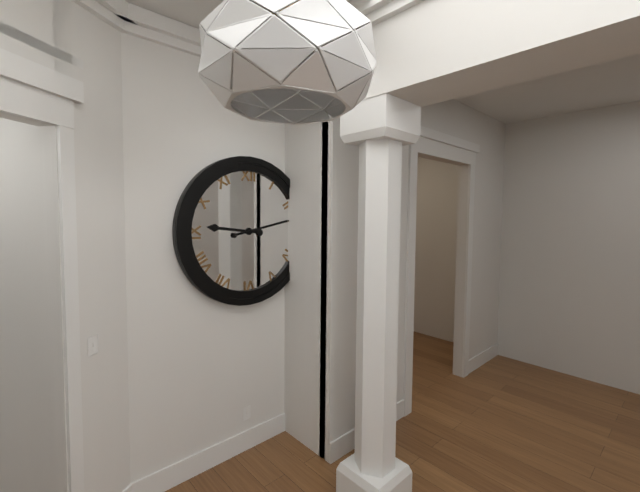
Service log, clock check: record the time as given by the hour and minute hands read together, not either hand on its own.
9:13
